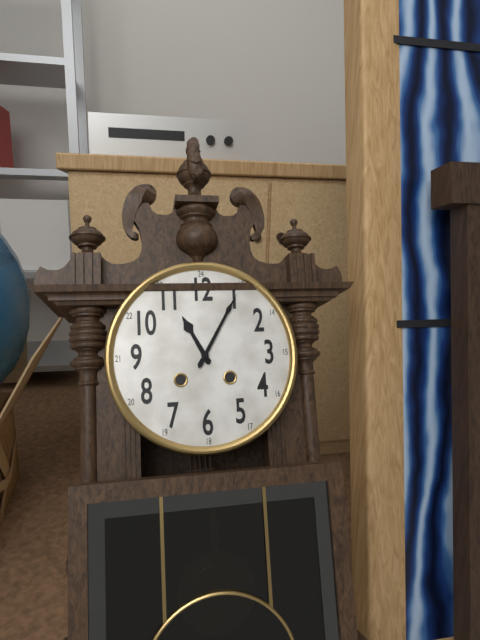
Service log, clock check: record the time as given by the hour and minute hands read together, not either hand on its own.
11:05
